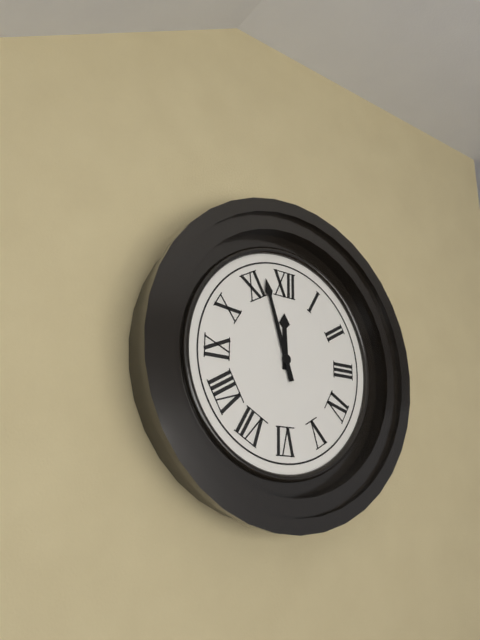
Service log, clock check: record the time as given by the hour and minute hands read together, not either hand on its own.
11:57
